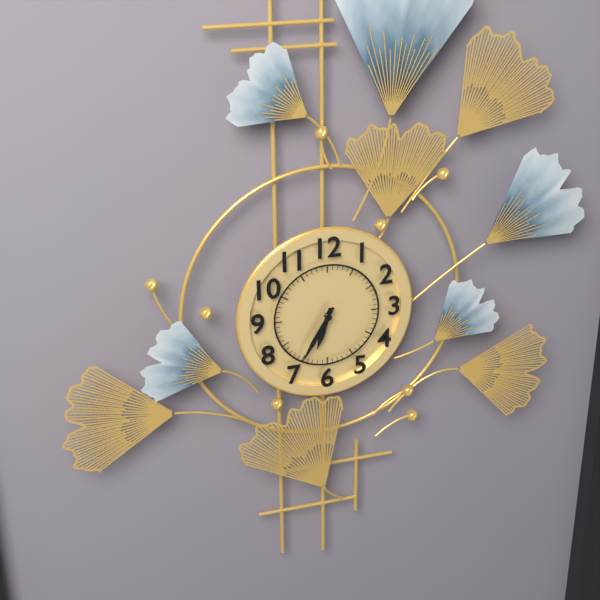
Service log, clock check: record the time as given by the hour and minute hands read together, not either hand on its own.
6:35
